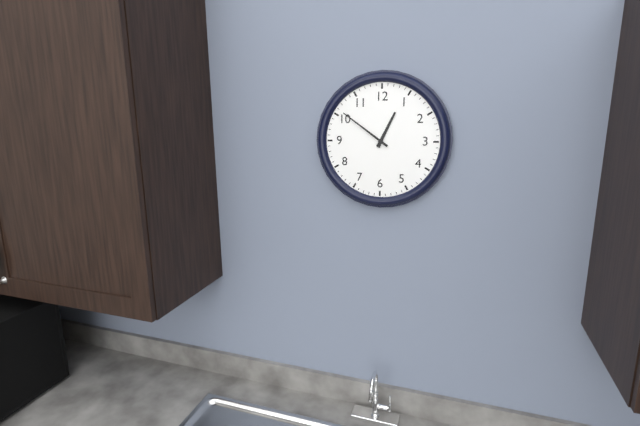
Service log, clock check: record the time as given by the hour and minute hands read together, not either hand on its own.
12:51
